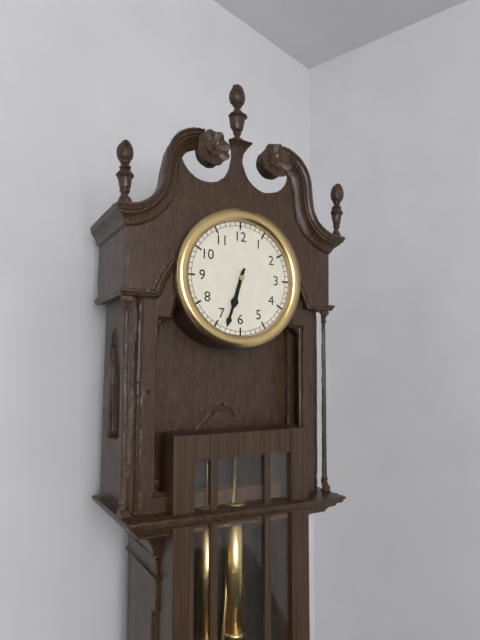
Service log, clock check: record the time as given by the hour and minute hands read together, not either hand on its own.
6:33
